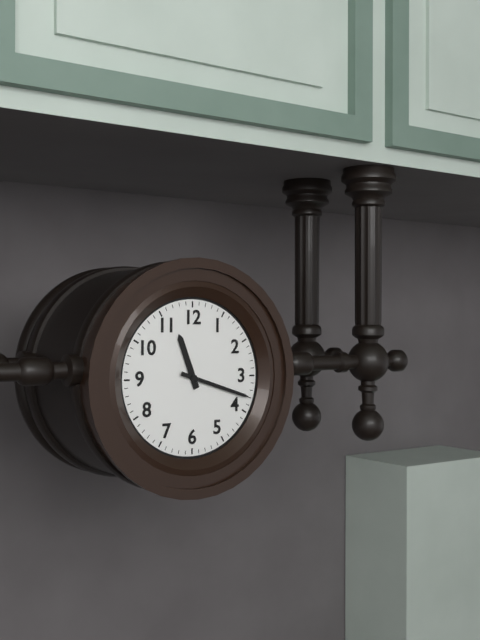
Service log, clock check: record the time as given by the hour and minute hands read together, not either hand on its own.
11:18
